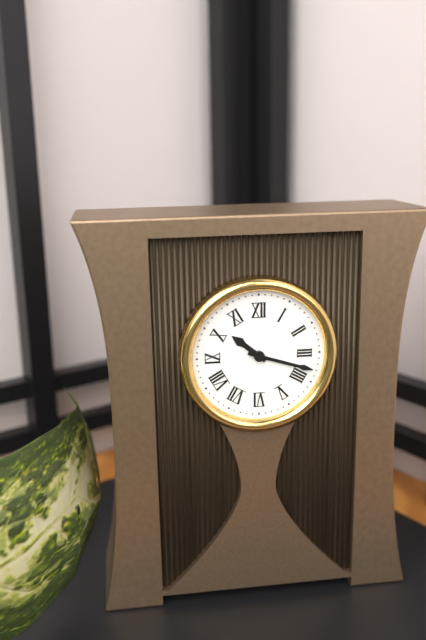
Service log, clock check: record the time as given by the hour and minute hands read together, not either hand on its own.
10:18
